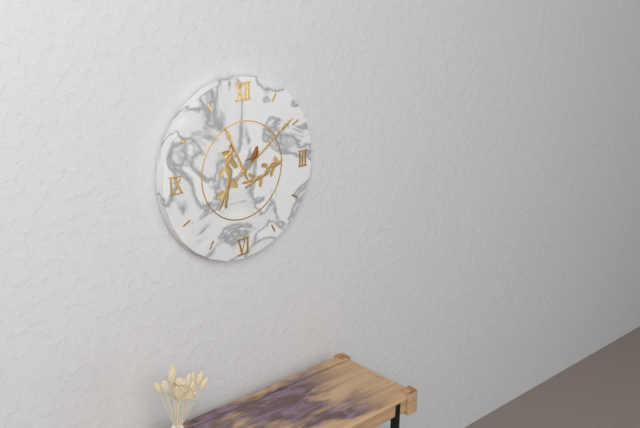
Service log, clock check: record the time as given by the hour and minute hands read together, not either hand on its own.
11:09
